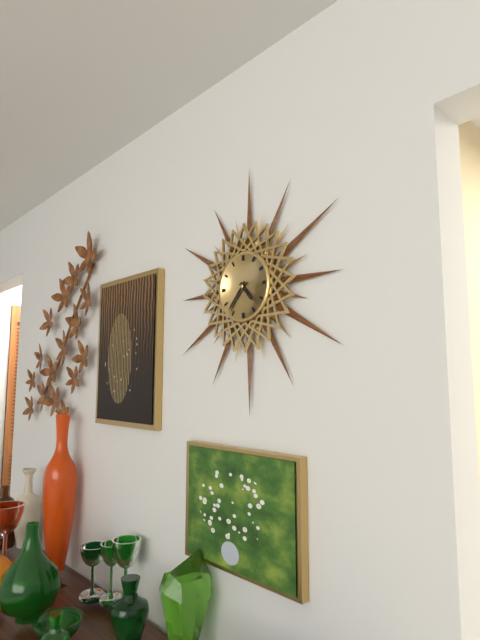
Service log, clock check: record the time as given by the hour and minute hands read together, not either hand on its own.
4:37
